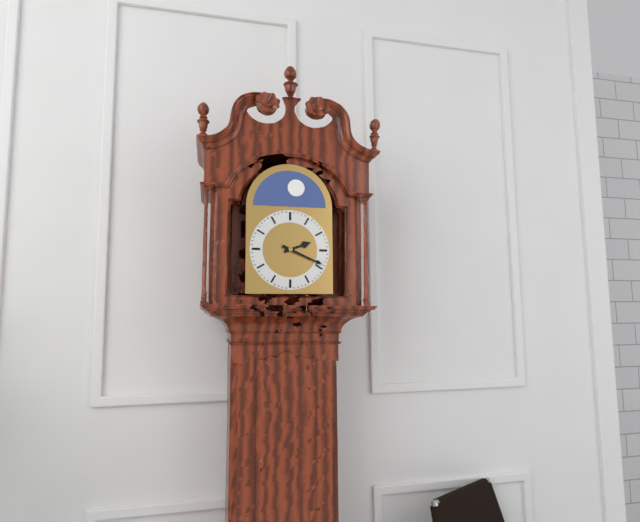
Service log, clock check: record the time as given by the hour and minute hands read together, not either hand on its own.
2:19
